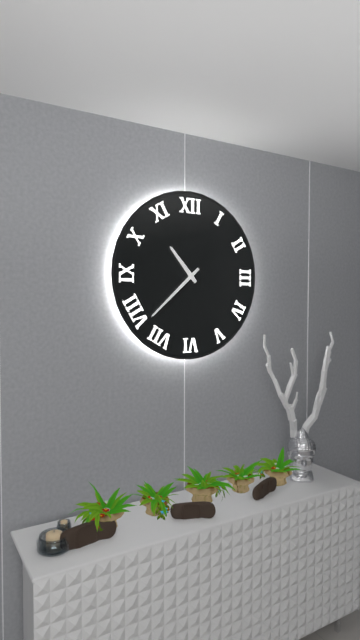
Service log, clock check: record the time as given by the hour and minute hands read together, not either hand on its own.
10:38
